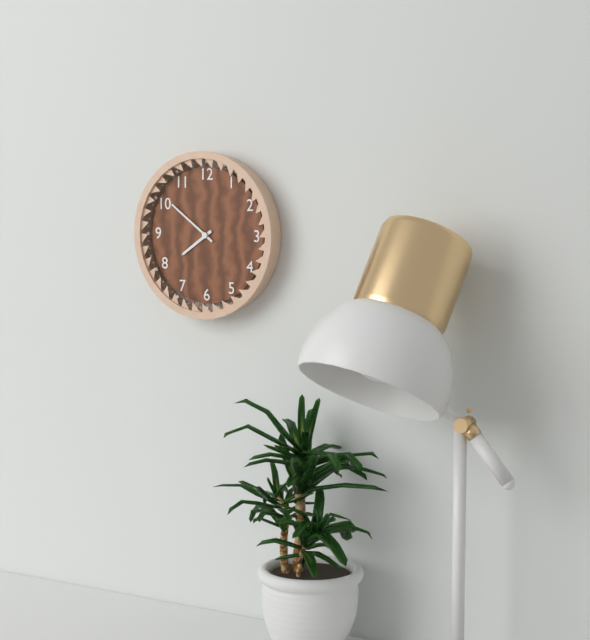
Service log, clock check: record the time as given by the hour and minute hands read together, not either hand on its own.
7:51
